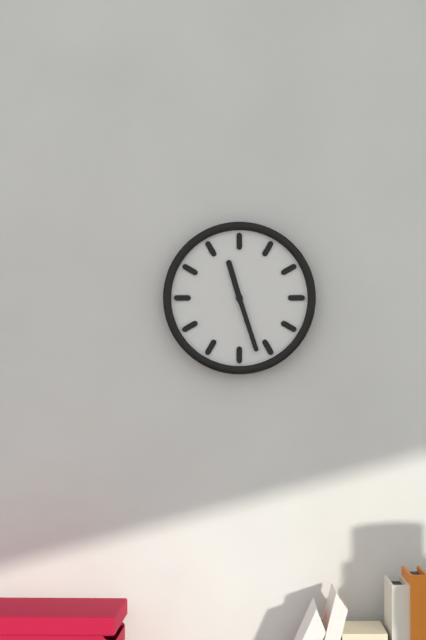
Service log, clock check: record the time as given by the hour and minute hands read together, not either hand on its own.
11:27
